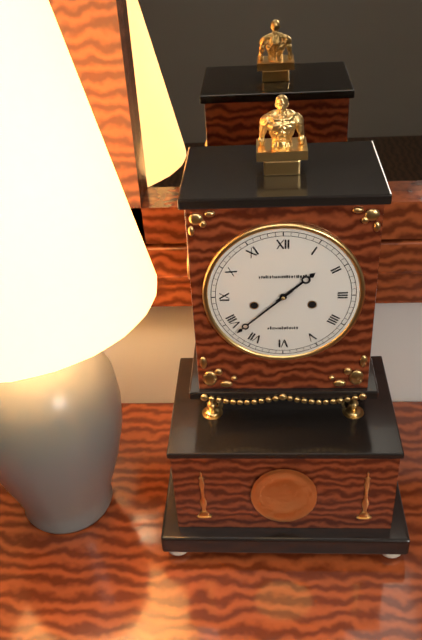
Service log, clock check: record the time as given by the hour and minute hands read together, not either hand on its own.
1:38
